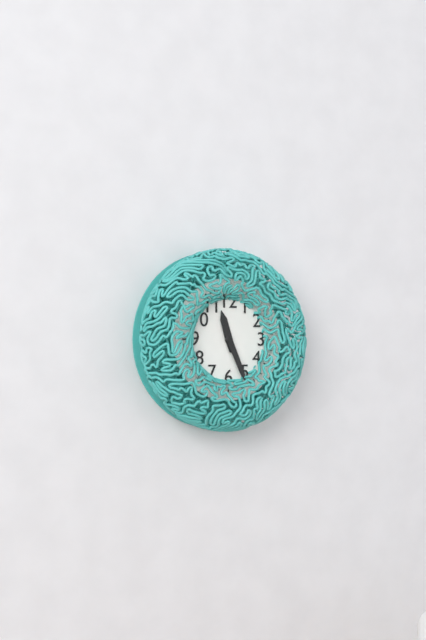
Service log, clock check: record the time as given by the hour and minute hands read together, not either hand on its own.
11:26
